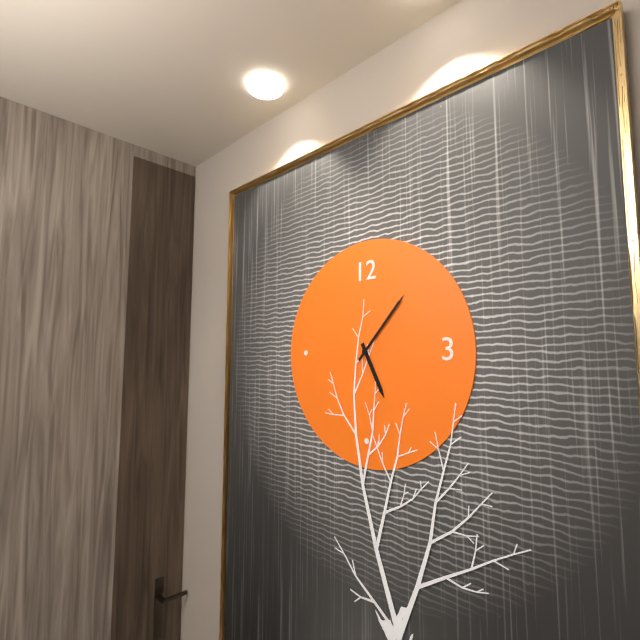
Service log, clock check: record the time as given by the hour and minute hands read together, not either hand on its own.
5:07
